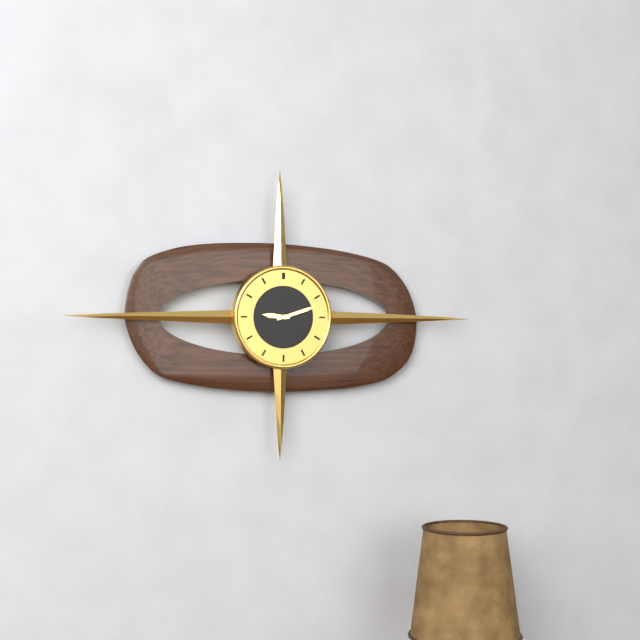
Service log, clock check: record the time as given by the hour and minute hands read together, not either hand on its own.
9:12
